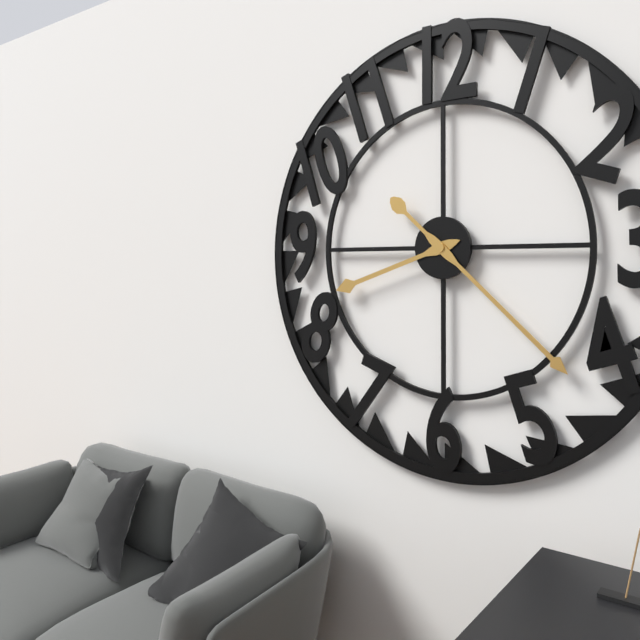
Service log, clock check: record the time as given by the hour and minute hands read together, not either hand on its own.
8:22
